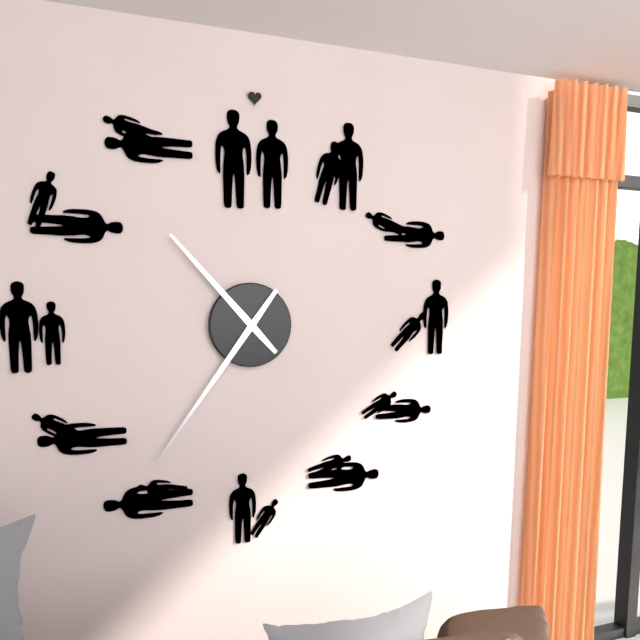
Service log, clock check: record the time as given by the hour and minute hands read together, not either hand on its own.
10:36
